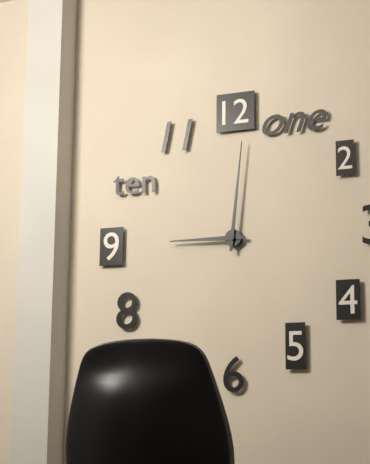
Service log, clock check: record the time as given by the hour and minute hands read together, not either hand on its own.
9:01
